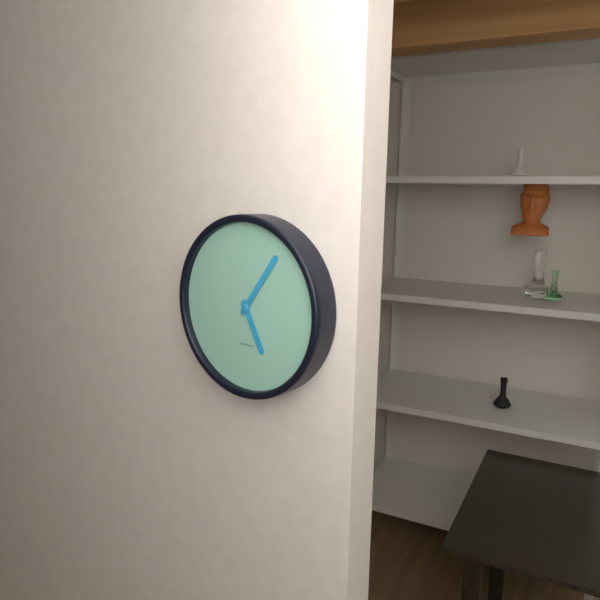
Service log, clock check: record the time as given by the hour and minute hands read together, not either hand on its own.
5:06
